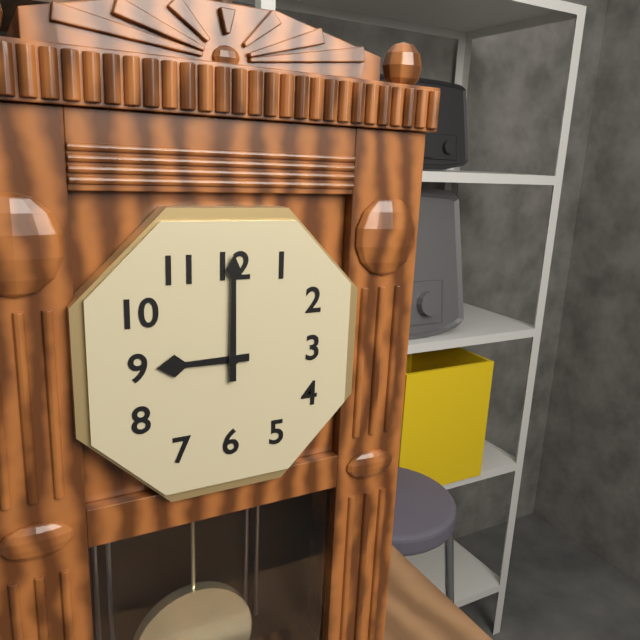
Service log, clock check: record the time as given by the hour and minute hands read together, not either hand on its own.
9:00
